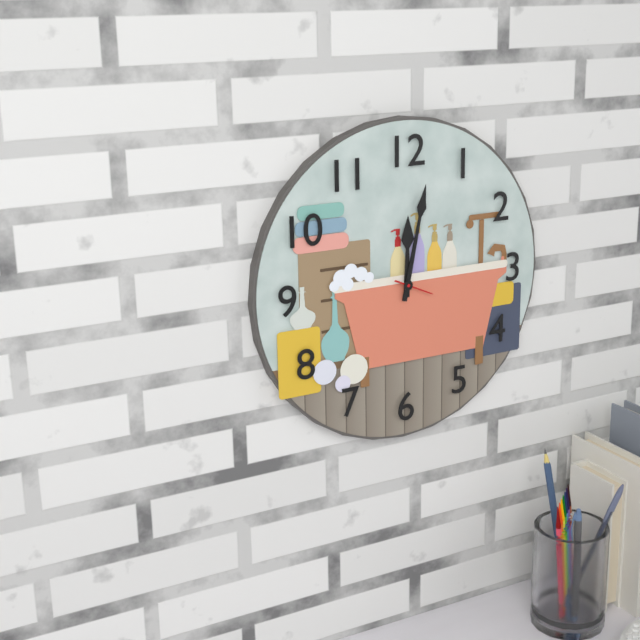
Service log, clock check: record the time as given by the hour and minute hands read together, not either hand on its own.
12:02
